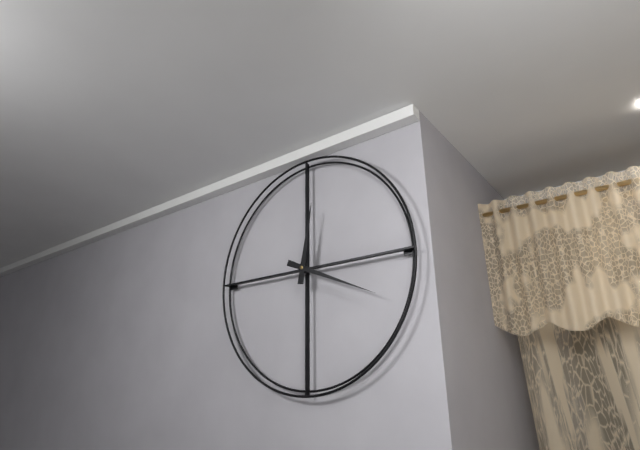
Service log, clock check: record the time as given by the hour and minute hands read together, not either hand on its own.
12:19
